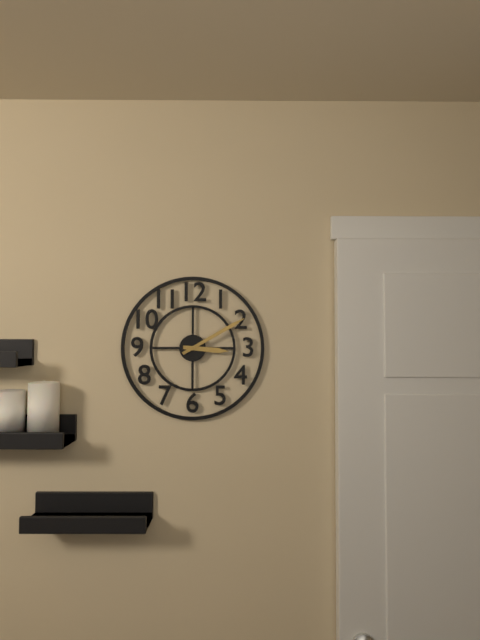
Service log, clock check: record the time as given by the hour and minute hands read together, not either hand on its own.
3:10
